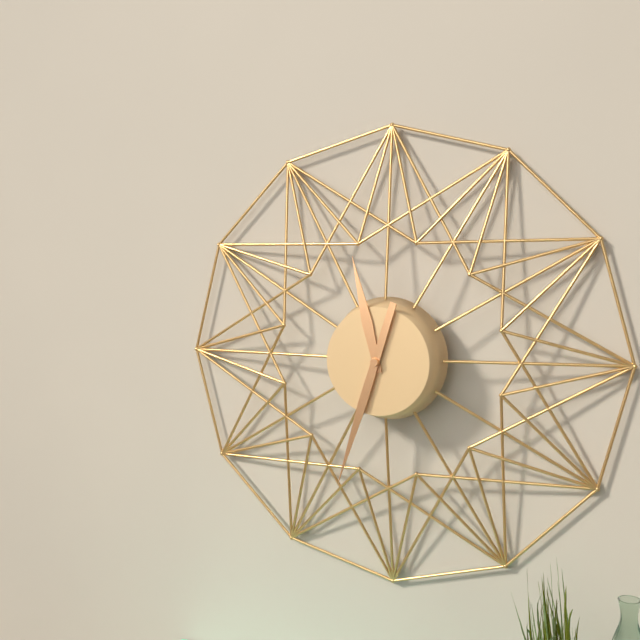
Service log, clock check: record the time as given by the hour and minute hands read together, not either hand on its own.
11:33
